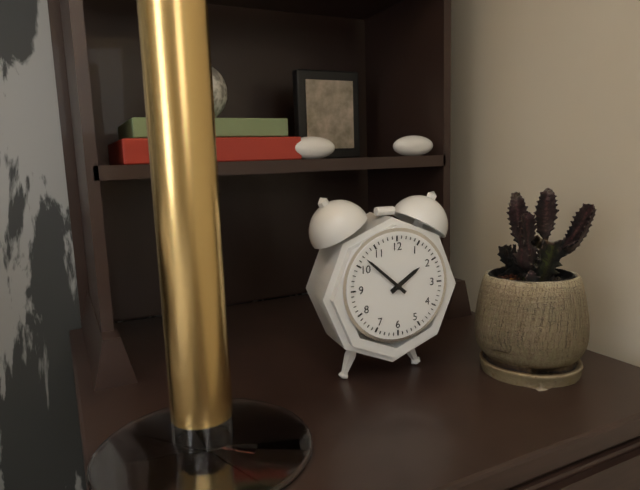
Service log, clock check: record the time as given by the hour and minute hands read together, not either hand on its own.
1:52
